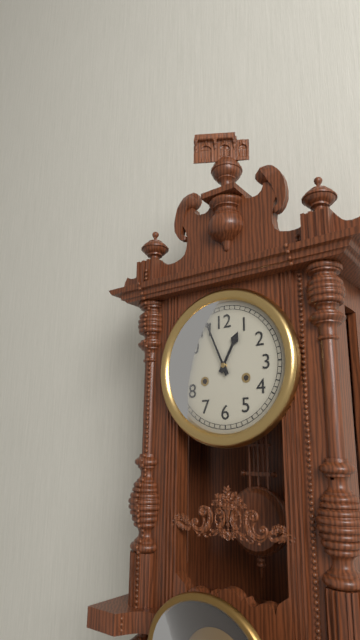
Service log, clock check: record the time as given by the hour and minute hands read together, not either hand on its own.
12:56
